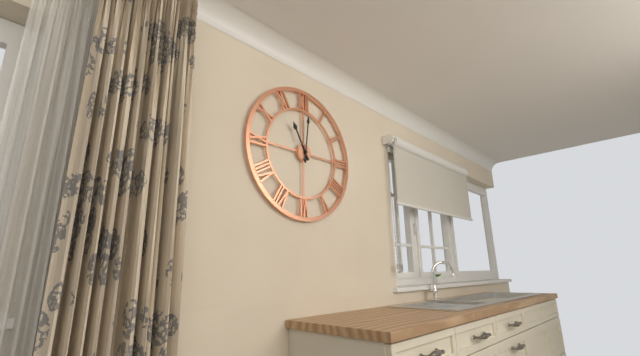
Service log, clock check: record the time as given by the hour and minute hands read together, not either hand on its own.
11:01
